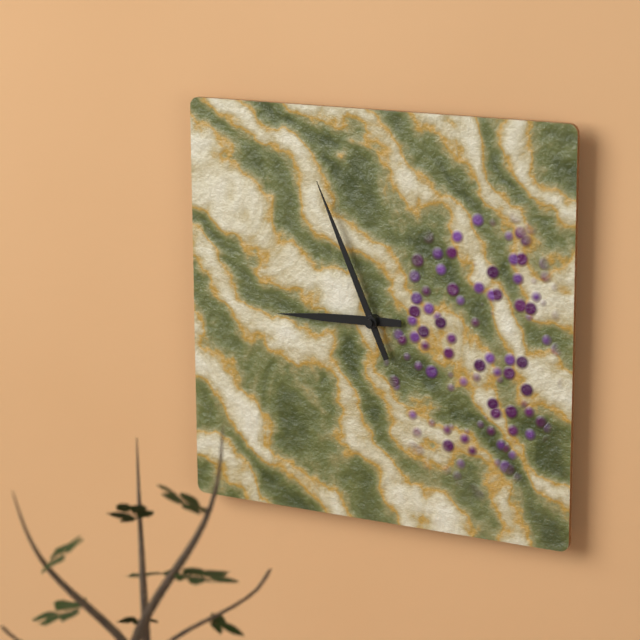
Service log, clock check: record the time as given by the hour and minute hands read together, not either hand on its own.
8:56
